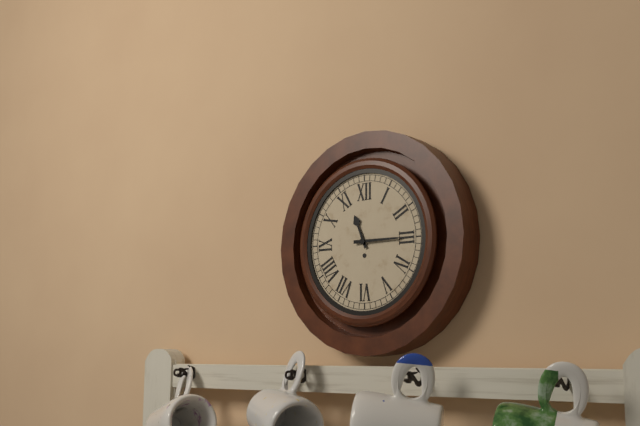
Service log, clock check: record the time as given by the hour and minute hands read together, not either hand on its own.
11:15
